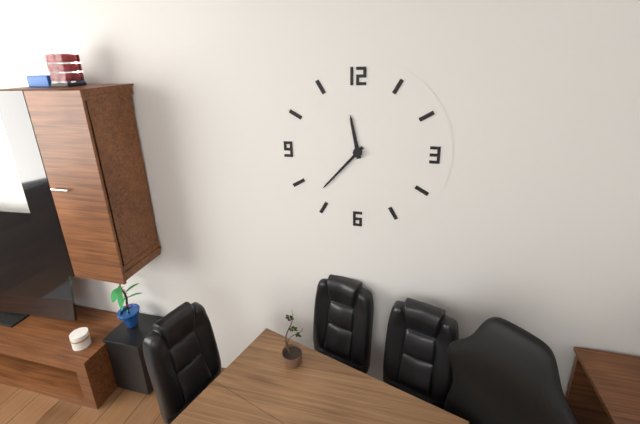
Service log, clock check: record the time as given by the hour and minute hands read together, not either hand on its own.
11:37
